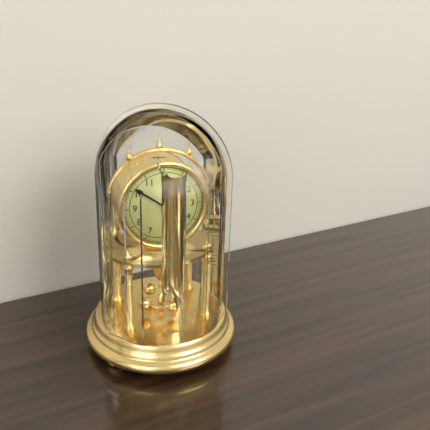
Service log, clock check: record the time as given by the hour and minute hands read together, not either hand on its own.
12:51
